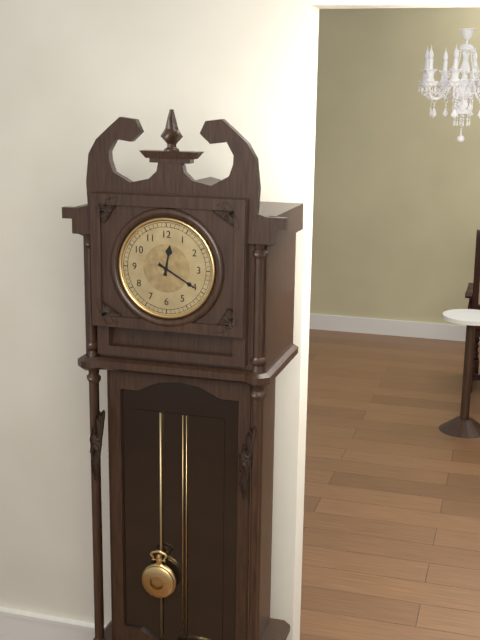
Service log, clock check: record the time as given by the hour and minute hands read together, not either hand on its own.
12:20
